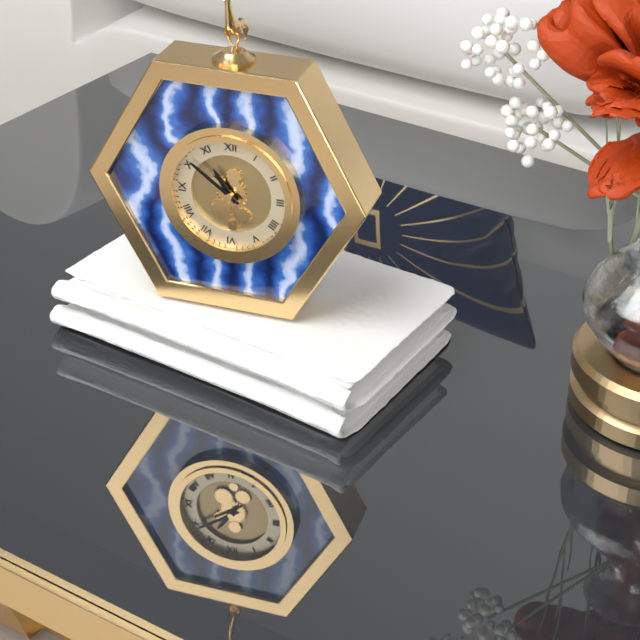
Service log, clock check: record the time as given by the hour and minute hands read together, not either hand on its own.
10:51
